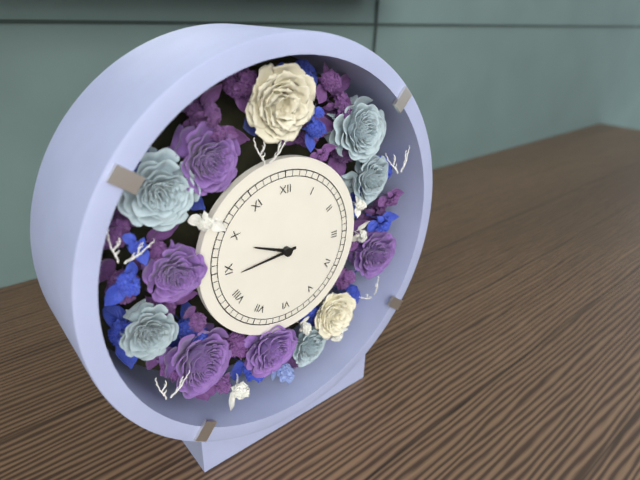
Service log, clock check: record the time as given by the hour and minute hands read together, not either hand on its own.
9:44
